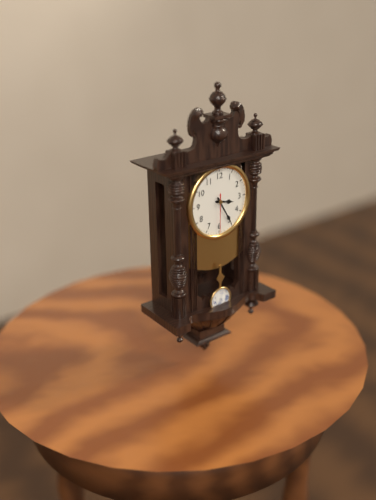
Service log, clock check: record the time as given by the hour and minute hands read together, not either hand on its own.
3:25
